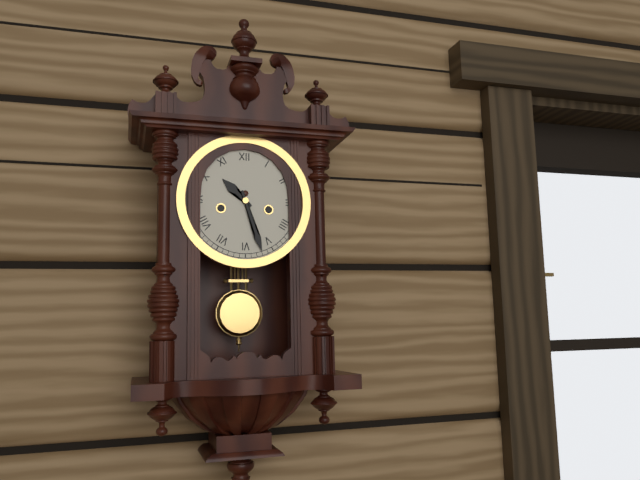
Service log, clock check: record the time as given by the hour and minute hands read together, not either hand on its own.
10:27
